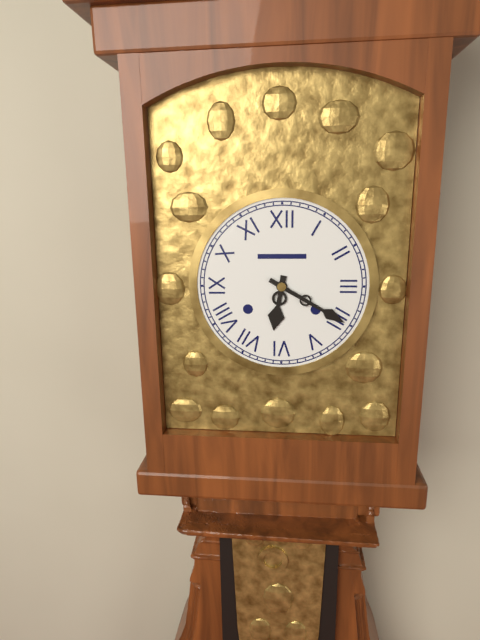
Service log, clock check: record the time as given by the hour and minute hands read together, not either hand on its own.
6:20
